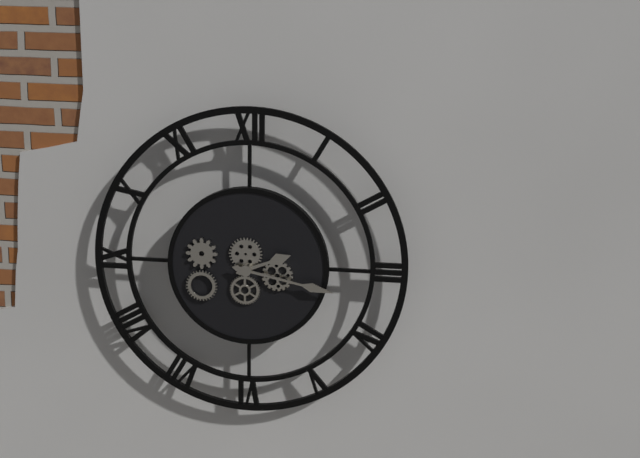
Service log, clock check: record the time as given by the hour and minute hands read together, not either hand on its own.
2:17
